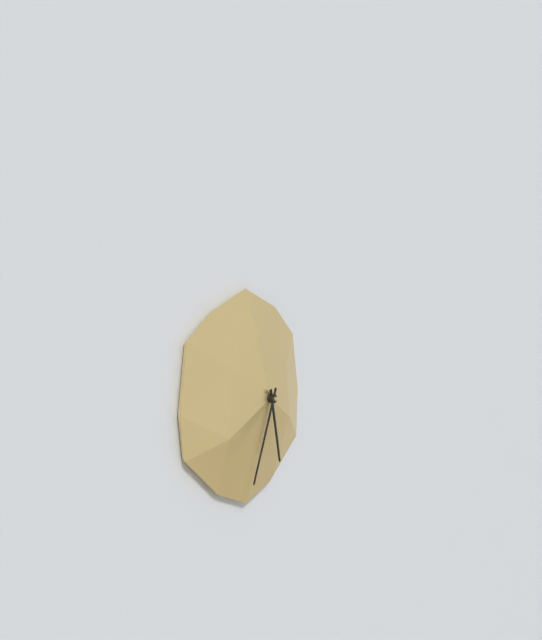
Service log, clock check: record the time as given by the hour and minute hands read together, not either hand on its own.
5:34
